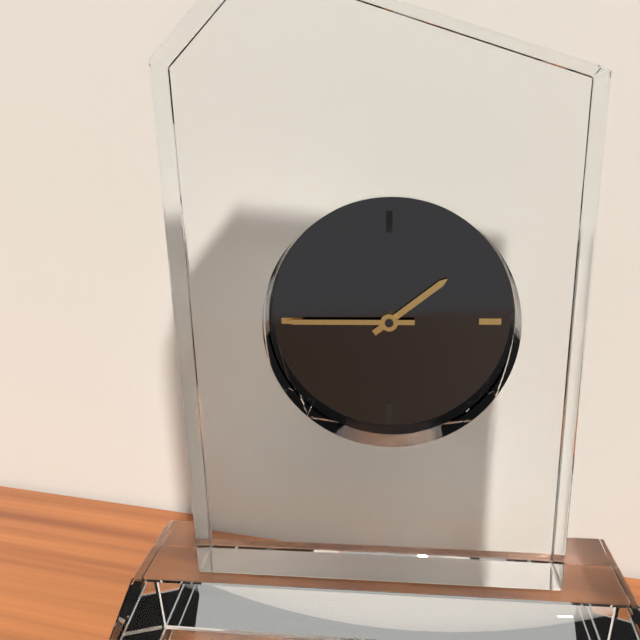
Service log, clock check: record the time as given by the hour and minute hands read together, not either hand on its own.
1:45
